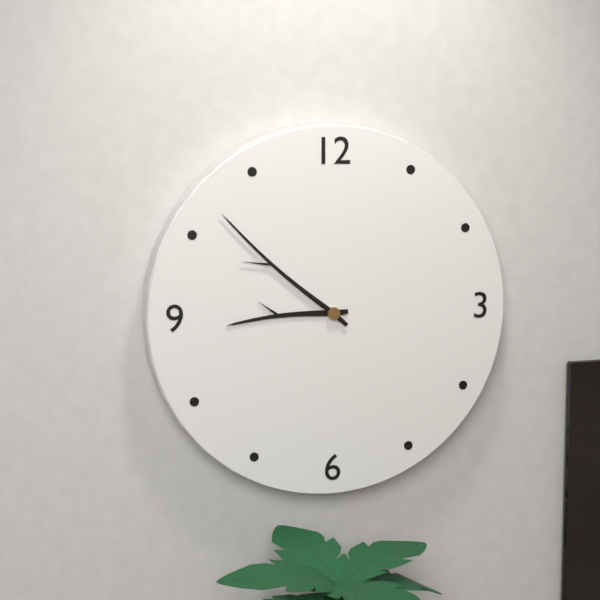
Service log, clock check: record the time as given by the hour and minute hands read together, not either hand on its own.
8:52
